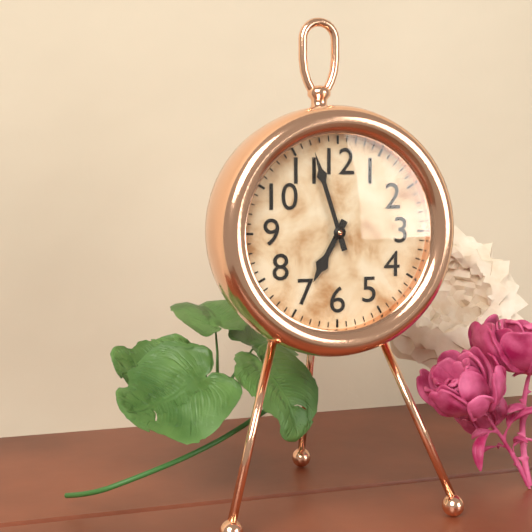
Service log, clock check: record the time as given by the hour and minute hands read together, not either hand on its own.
6:57
